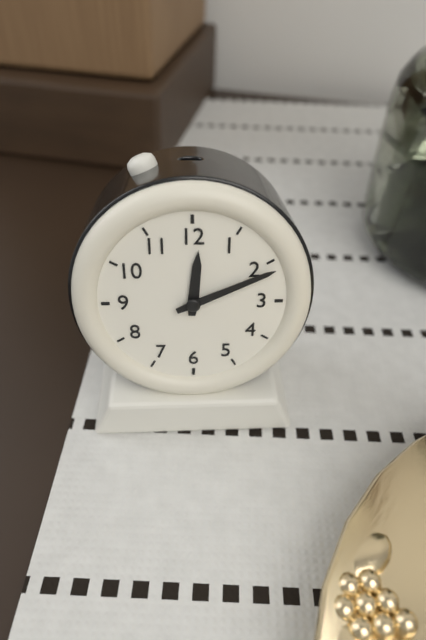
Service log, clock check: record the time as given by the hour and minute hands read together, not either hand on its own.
12:11
